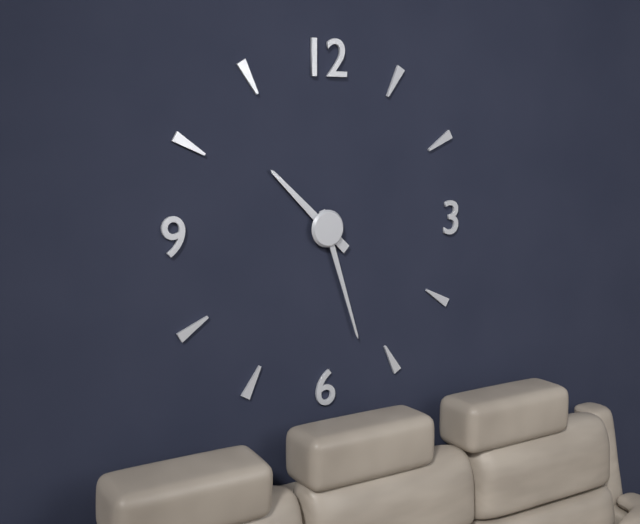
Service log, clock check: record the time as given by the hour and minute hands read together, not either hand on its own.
10:27
